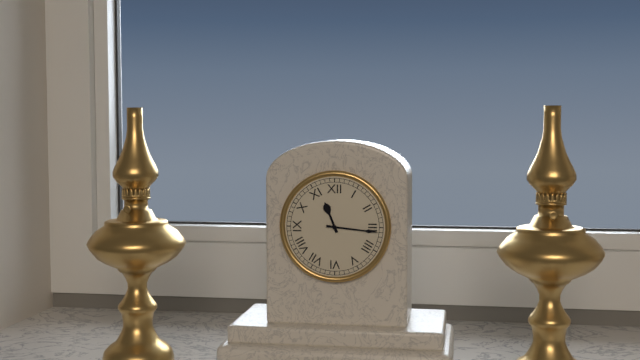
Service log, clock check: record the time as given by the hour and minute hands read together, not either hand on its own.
11:16
